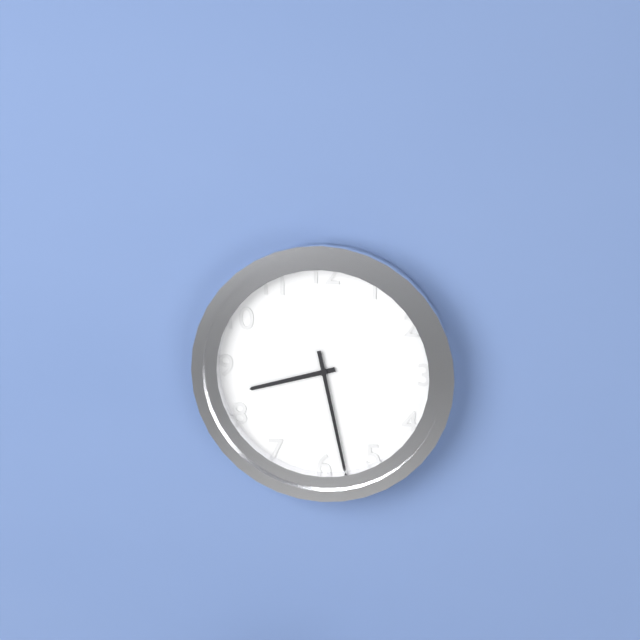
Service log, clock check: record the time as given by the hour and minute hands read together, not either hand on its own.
8:28
